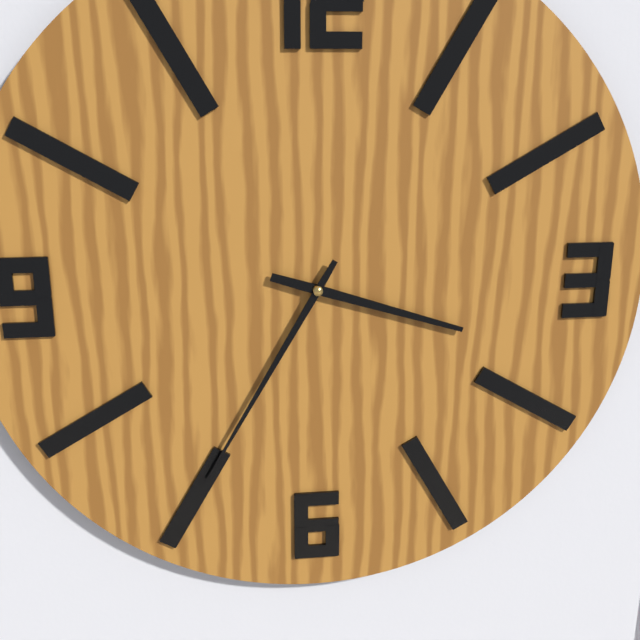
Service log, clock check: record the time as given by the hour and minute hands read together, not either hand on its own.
3:35
